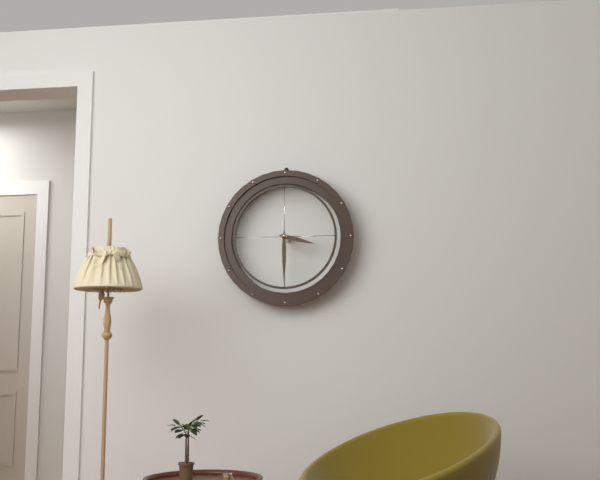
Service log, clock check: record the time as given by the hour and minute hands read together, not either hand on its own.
3:30
